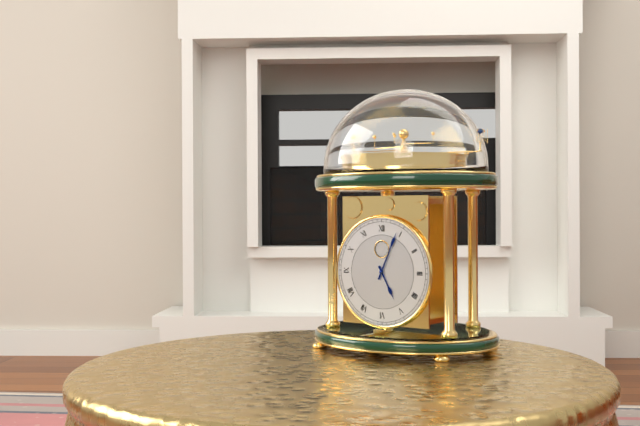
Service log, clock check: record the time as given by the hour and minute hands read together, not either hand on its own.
5:04
